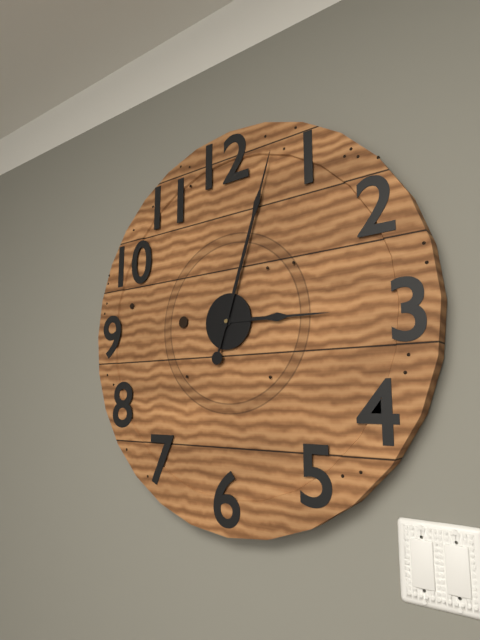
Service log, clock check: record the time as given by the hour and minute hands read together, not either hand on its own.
3:03
